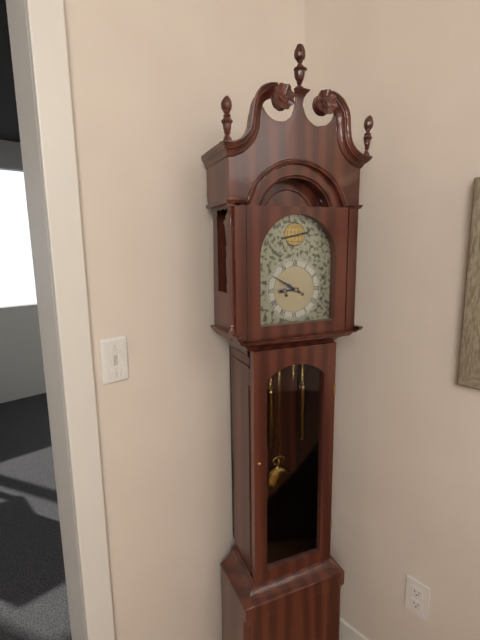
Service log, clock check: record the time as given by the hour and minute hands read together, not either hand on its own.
8:50
